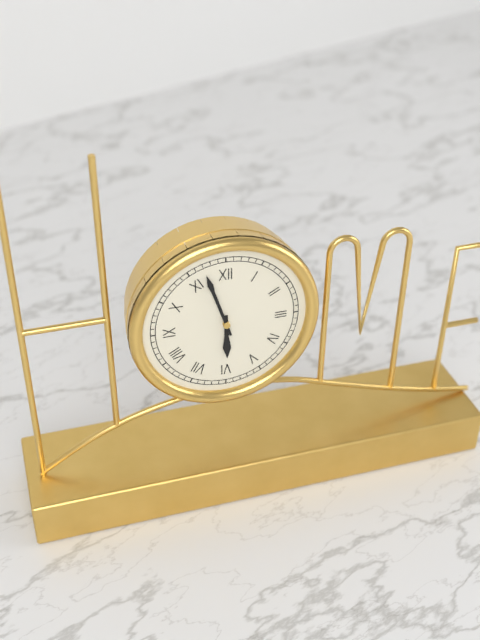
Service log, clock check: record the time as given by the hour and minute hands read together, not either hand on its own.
5:57
